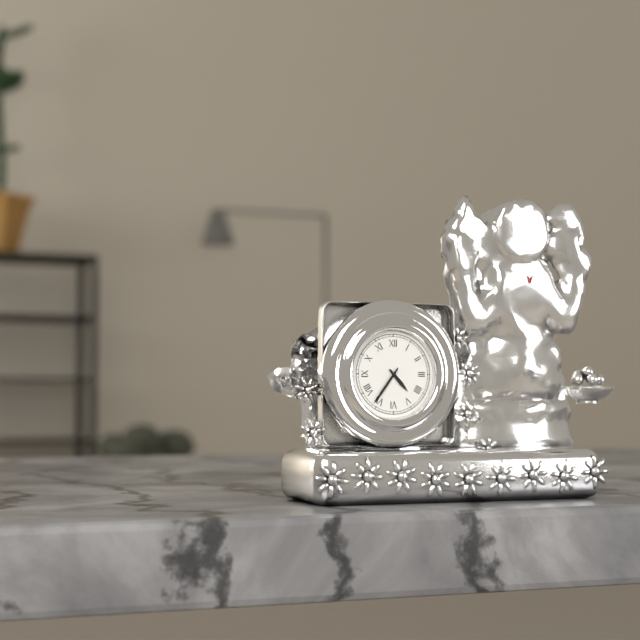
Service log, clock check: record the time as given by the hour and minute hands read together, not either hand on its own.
4:36
